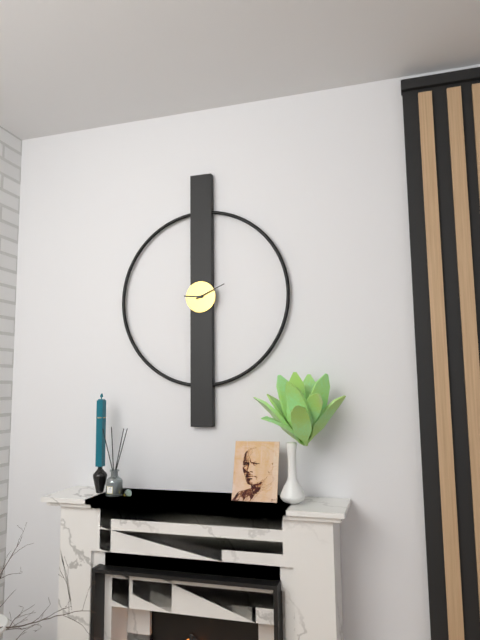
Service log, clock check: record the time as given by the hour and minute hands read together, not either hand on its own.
9:11
